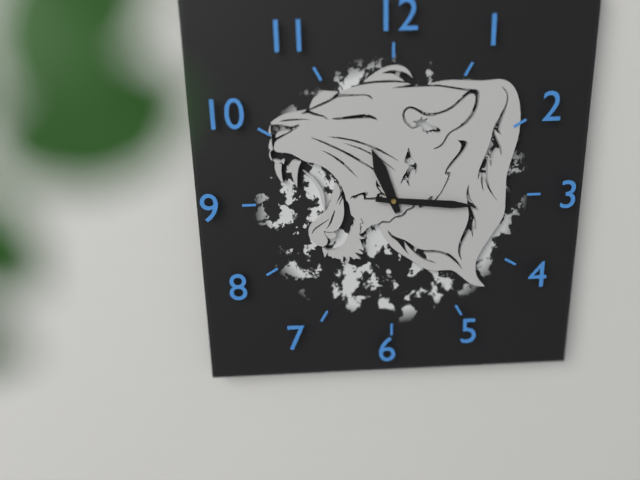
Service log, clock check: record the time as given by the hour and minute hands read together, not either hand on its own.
11:16
